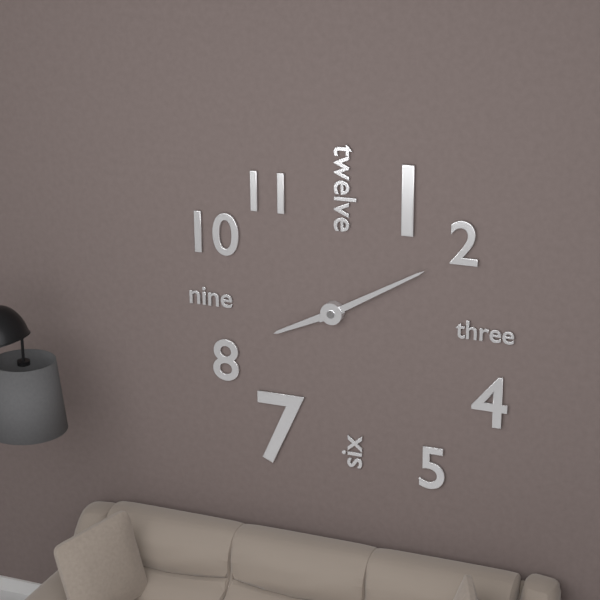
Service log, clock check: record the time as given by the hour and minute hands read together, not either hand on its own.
8:10
